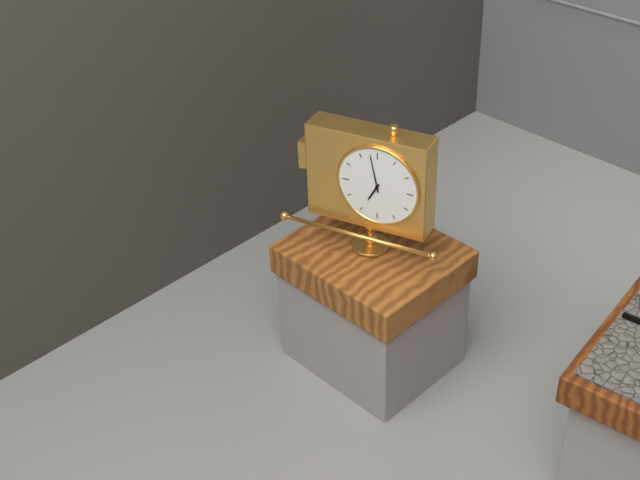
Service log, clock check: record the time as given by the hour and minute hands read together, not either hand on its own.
6:58
